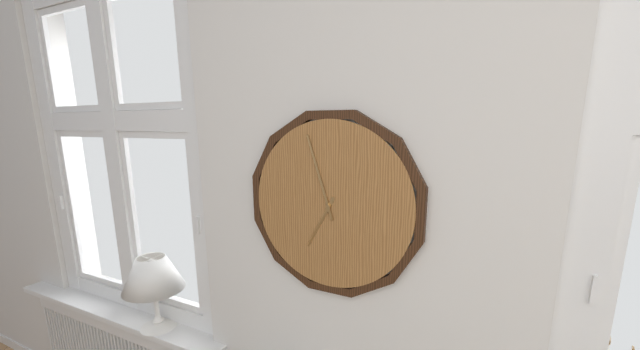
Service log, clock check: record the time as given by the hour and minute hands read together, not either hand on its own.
6:57
